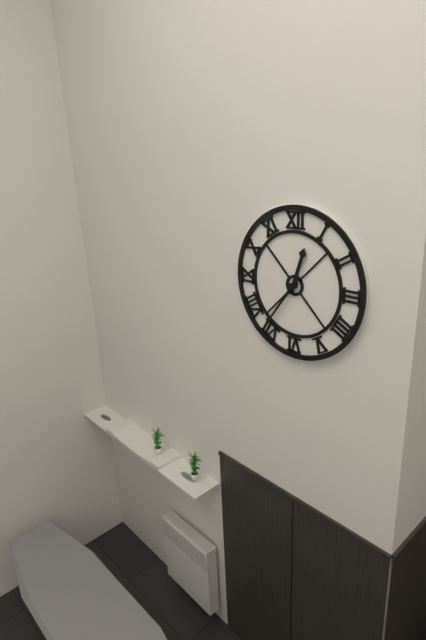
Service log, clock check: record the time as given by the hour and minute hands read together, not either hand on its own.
12:36
